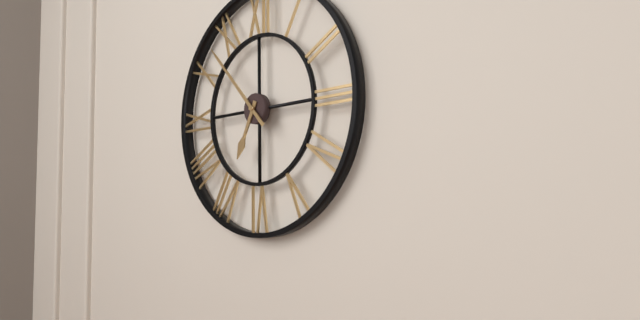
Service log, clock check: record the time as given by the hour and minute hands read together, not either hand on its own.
6:53
